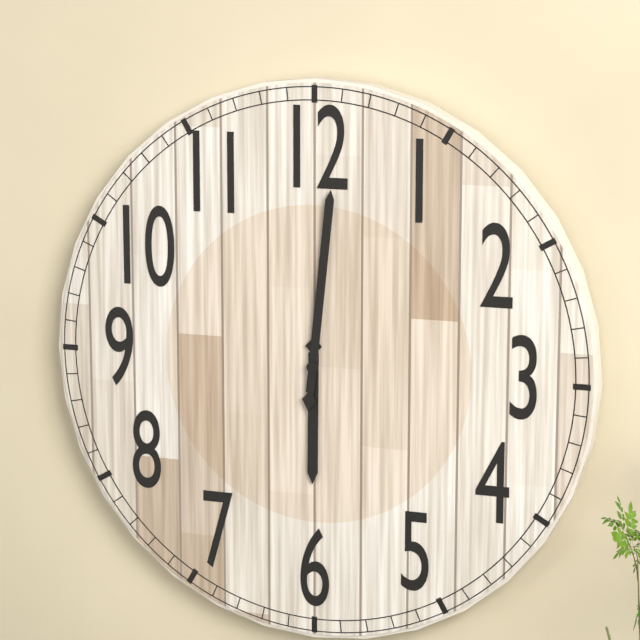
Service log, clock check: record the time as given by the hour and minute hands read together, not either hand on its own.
6:01
